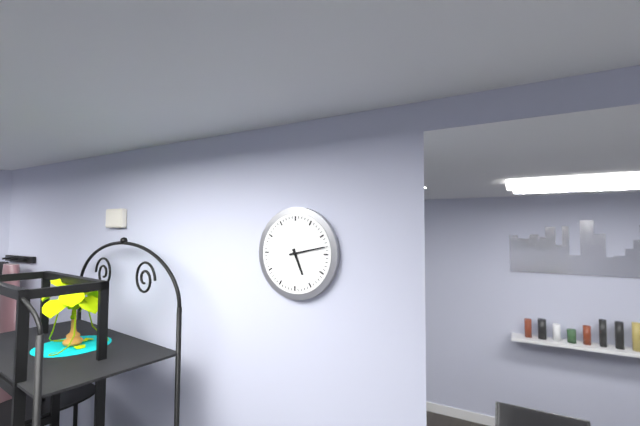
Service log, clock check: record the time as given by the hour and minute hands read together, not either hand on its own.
5:13
